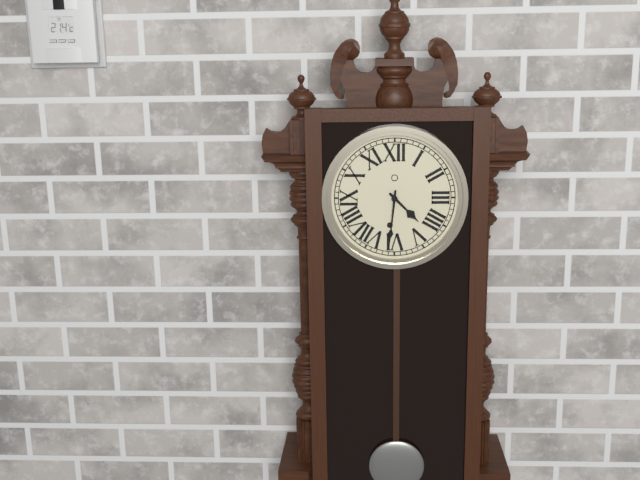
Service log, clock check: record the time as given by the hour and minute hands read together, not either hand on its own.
4:31
